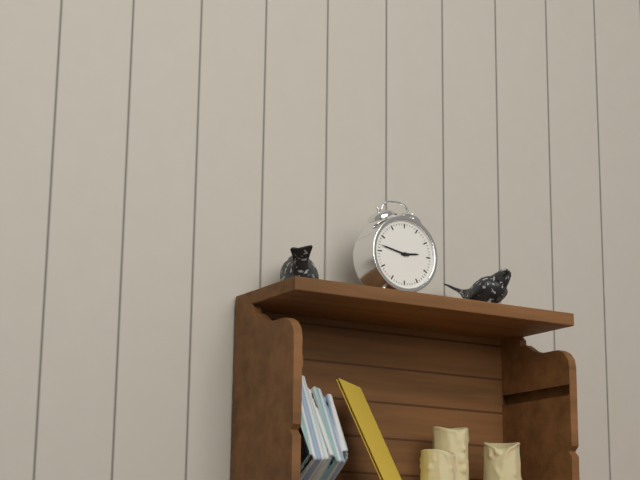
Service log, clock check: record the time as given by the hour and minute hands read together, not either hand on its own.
2:47
